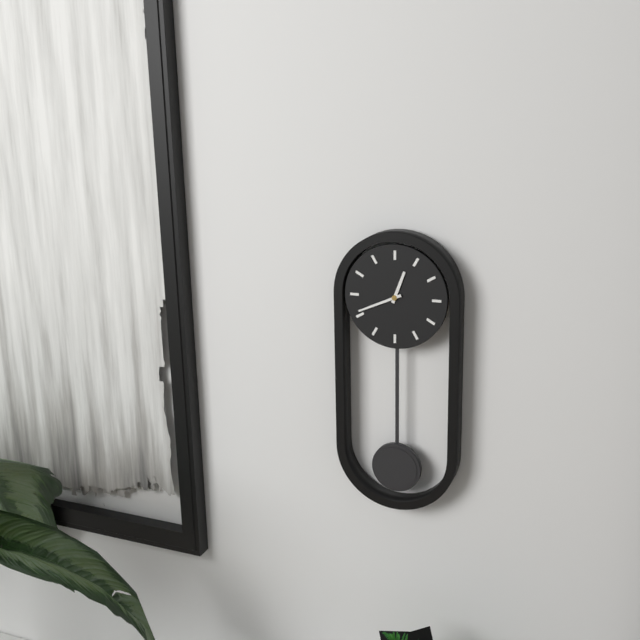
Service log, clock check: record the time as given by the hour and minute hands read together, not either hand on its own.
12:41
